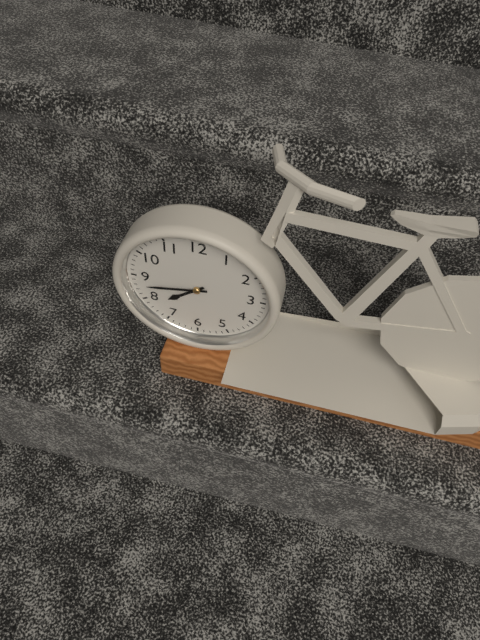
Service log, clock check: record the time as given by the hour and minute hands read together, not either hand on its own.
7:43
